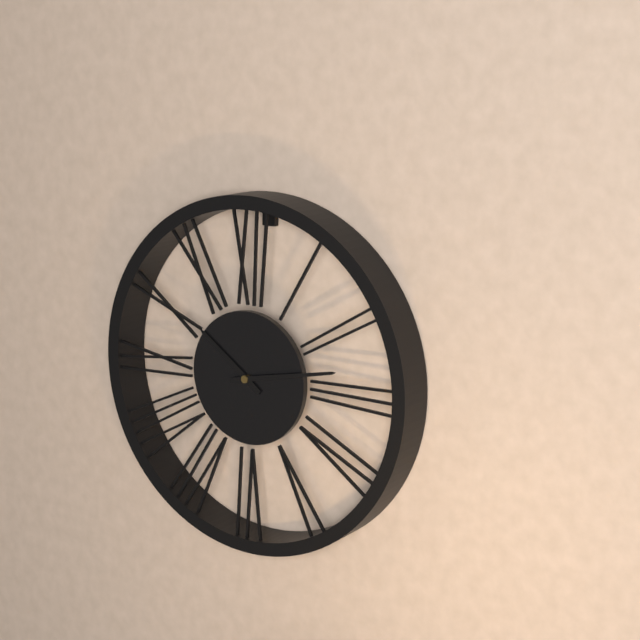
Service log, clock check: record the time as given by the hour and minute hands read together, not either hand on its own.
10:13
